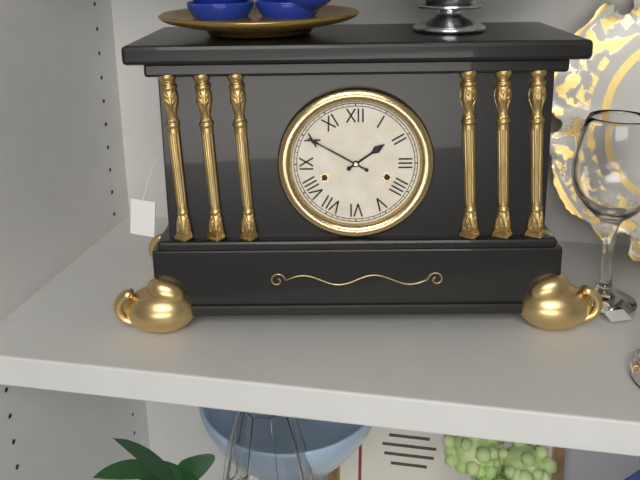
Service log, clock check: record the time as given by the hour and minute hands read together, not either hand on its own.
1:50
